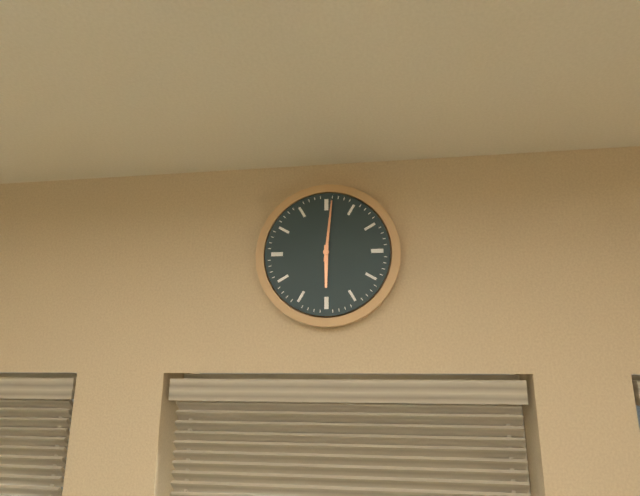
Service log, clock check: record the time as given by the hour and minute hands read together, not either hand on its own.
6:01
